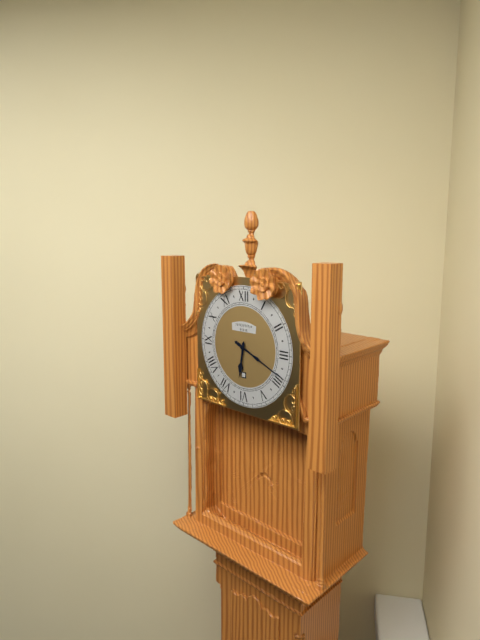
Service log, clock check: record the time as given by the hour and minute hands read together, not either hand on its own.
6:19
